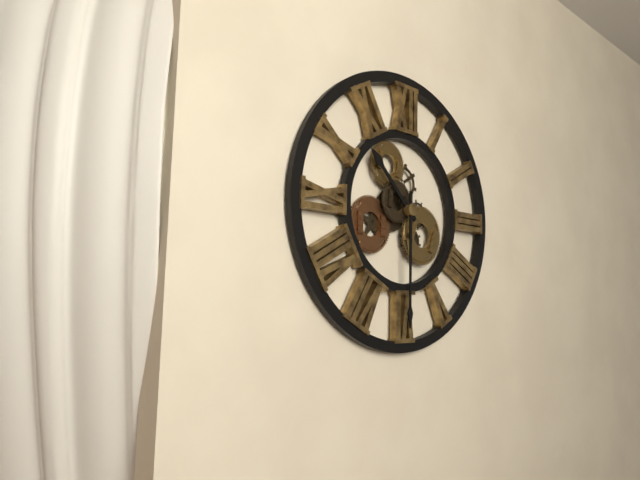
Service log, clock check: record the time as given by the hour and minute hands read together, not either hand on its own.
10:30
